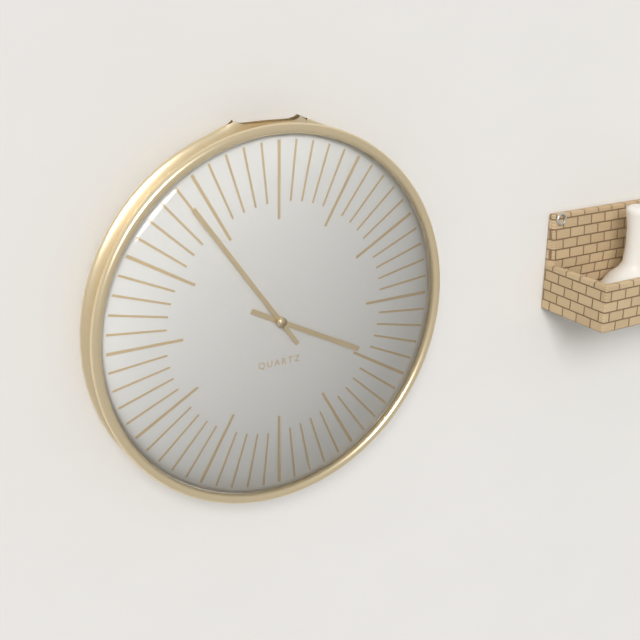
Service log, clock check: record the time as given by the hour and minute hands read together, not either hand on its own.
3:54
